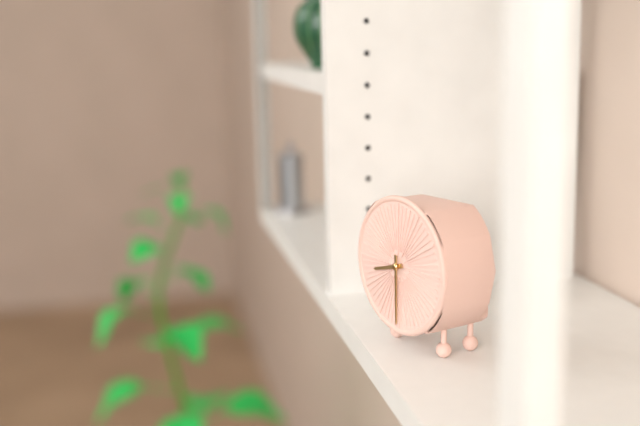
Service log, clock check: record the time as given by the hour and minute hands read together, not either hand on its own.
8:30
